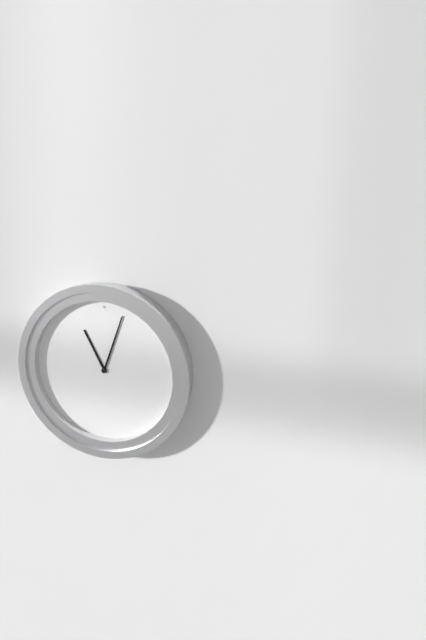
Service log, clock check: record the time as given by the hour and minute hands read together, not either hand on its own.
11:03
